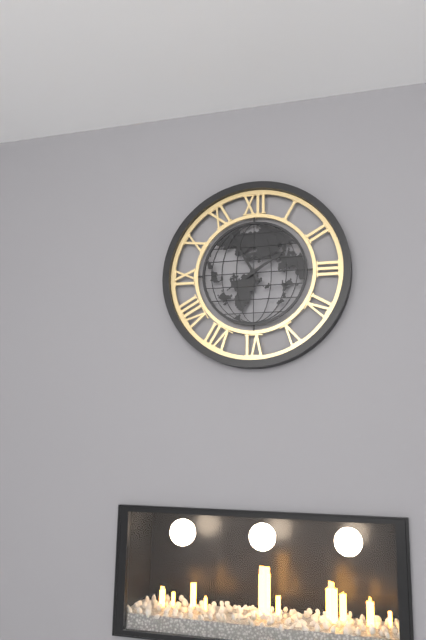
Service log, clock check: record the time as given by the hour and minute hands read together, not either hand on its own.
1:55
